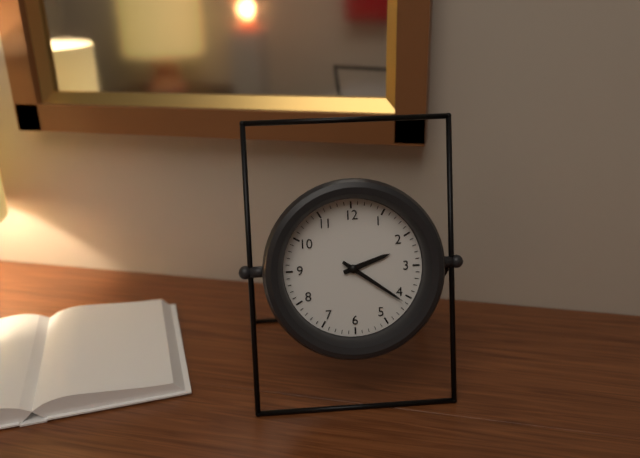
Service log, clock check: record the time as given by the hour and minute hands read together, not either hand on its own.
2:21
